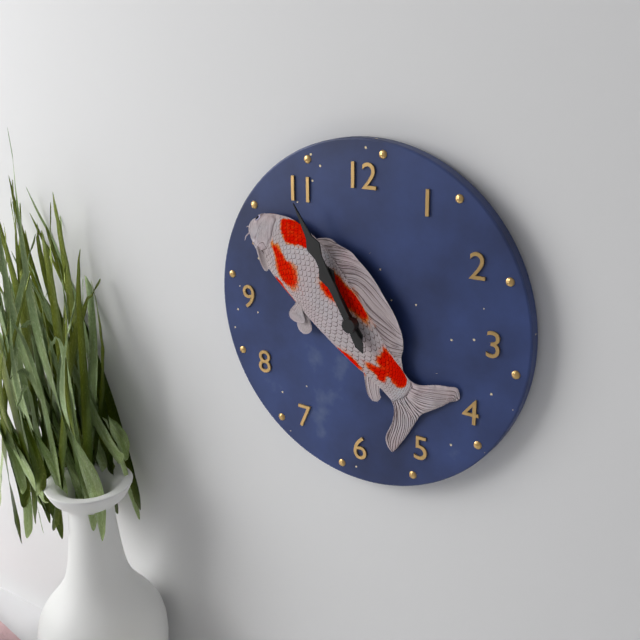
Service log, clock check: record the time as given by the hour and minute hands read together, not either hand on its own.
10:55
